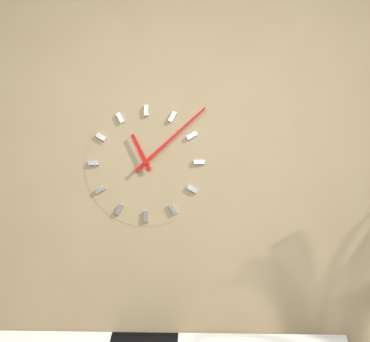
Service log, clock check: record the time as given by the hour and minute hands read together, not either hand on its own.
11:08
